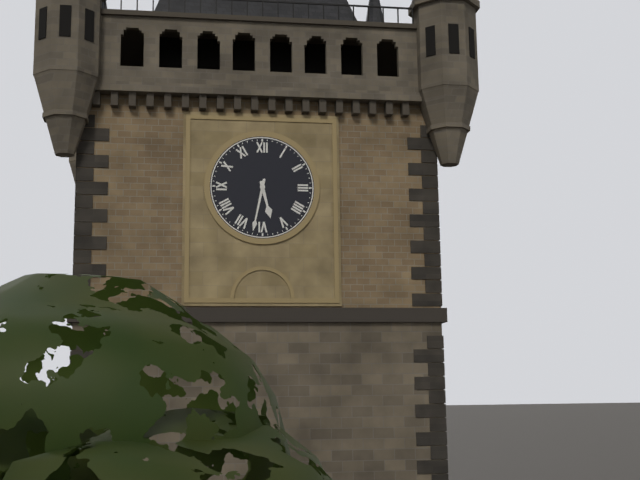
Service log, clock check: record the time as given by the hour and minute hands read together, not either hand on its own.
5:32
